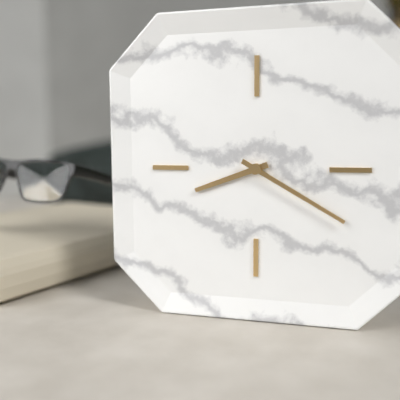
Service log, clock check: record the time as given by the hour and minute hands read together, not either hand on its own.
8:20
